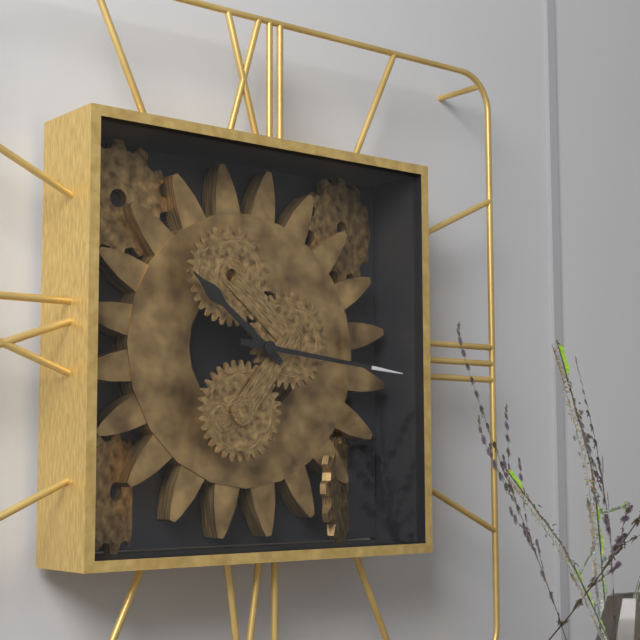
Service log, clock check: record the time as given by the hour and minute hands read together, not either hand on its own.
10:16
